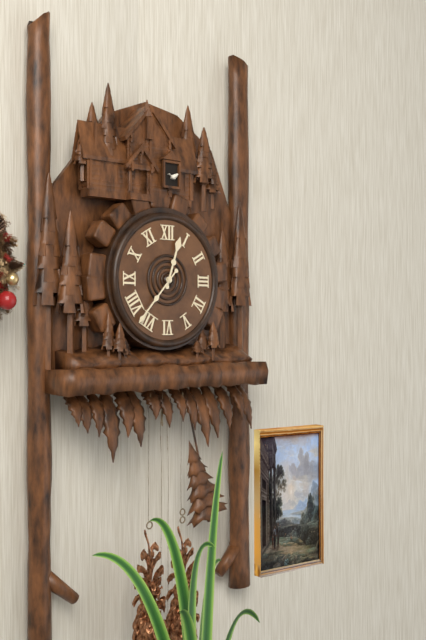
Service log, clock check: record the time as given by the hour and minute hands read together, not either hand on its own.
12:37
